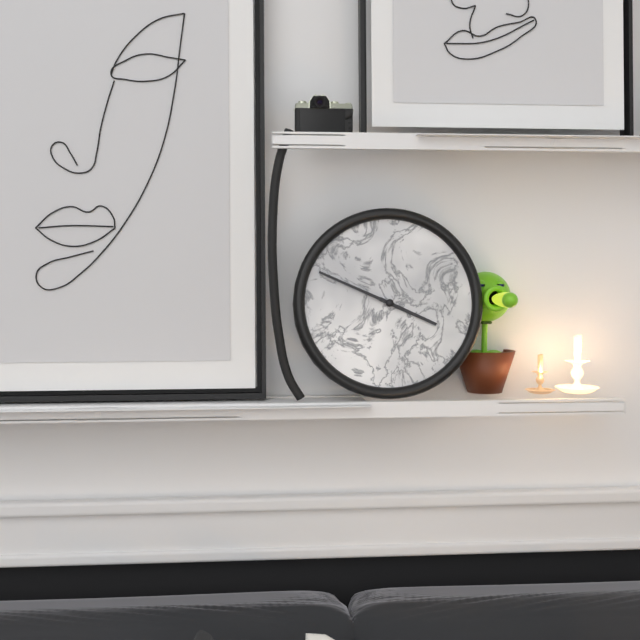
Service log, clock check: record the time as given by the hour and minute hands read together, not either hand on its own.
3:49
